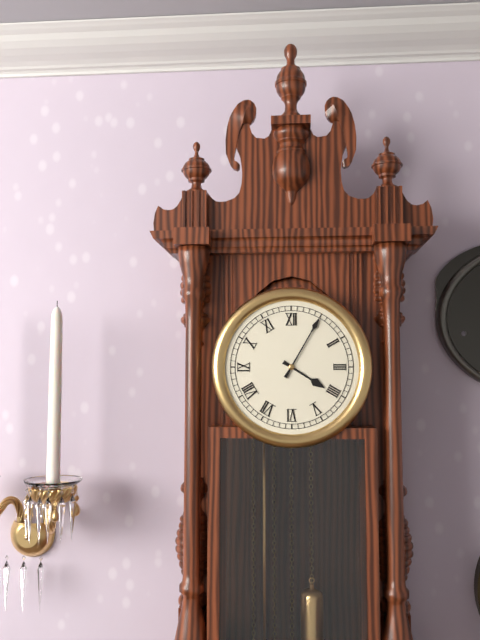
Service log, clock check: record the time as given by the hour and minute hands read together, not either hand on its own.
4:05
